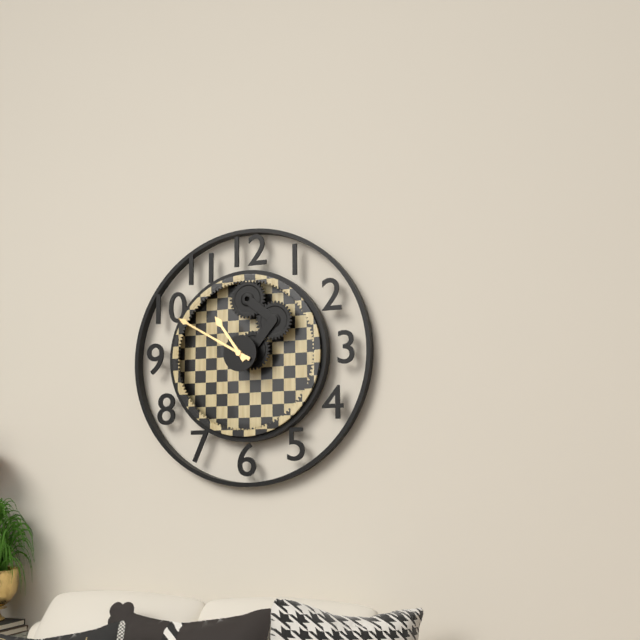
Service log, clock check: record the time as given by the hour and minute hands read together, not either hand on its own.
10:50
